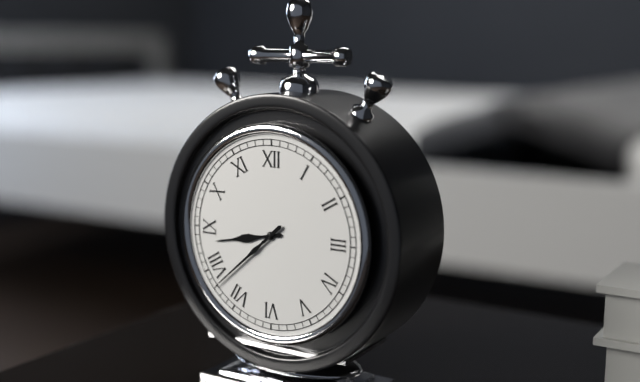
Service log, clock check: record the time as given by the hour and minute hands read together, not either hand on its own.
8:38
